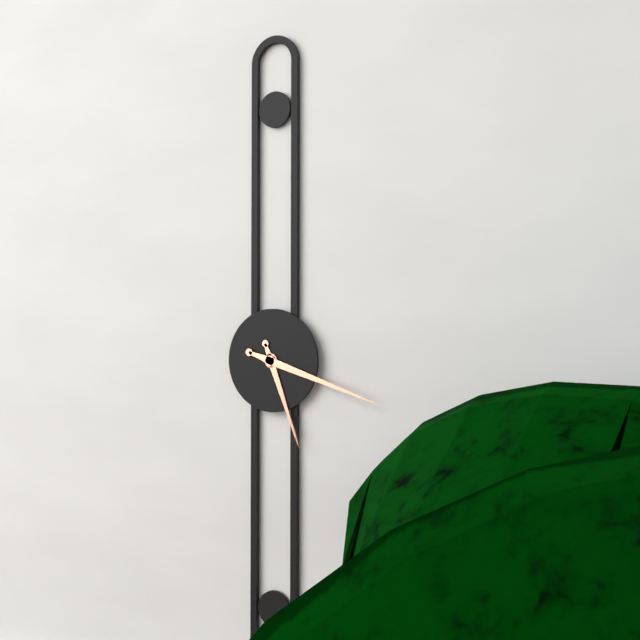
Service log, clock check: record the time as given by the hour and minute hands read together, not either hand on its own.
5:18
